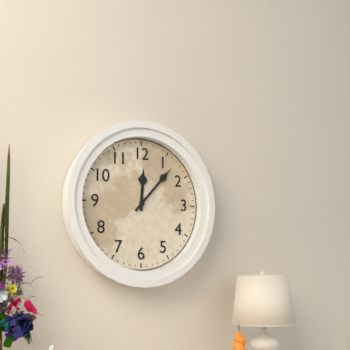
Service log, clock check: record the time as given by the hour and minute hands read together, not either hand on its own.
12:07
